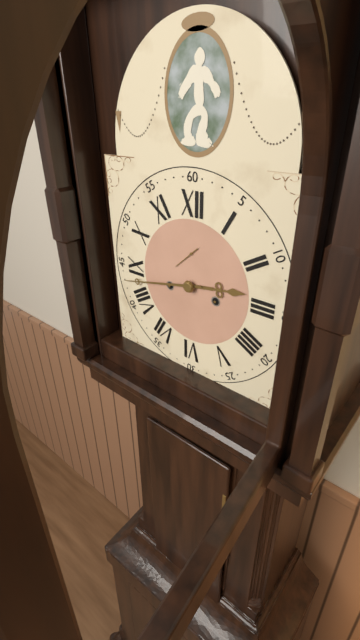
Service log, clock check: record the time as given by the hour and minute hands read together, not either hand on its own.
2:43
